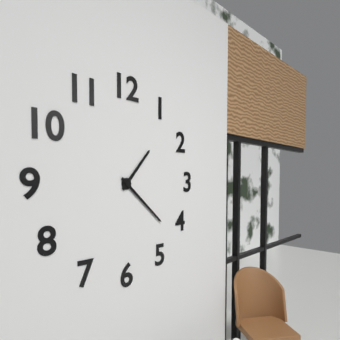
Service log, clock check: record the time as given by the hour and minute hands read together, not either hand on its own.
1:22
